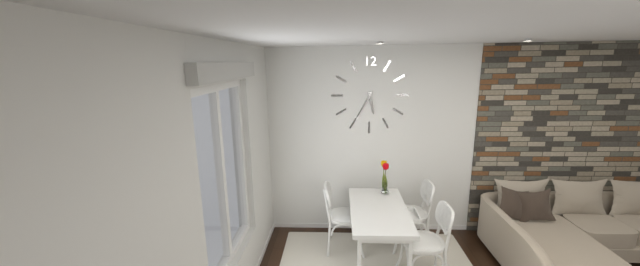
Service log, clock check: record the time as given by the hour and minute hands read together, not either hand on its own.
5:35
